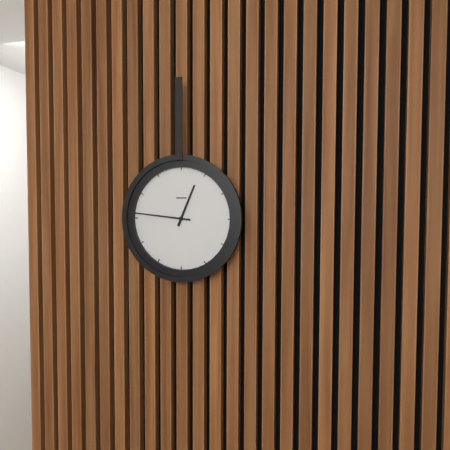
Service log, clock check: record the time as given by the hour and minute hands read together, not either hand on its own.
12:46
